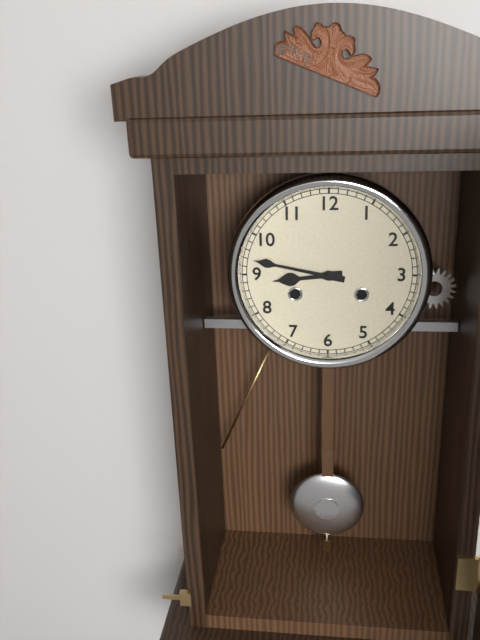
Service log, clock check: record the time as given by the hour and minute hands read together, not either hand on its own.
8:47
